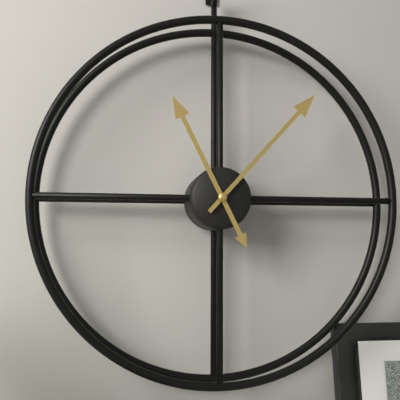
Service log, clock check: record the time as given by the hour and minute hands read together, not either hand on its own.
11:07
